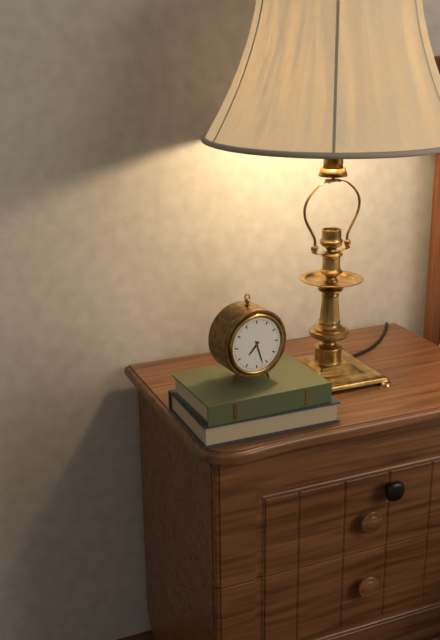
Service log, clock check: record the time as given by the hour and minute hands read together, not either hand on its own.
7:27
